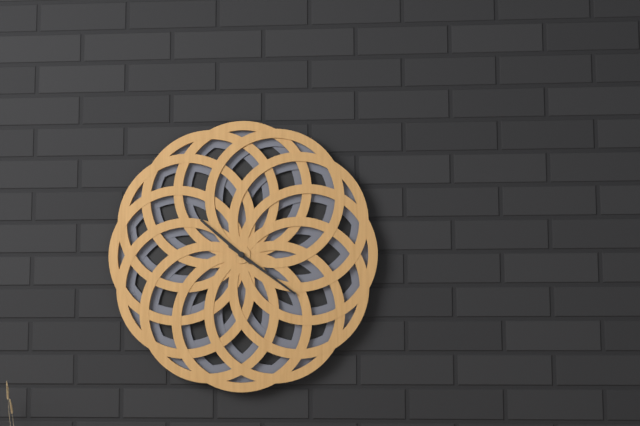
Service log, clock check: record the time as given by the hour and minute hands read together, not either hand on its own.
10:21
